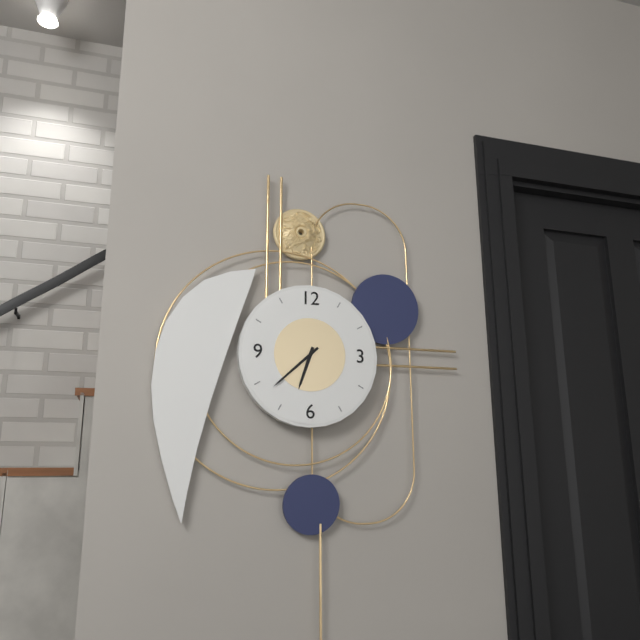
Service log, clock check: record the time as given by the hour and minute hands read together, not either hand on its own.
6:38
